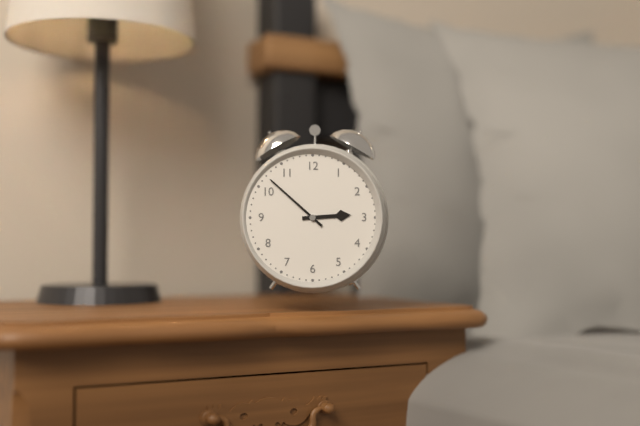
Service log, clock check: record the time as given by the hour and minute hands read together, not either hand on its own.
2:52
